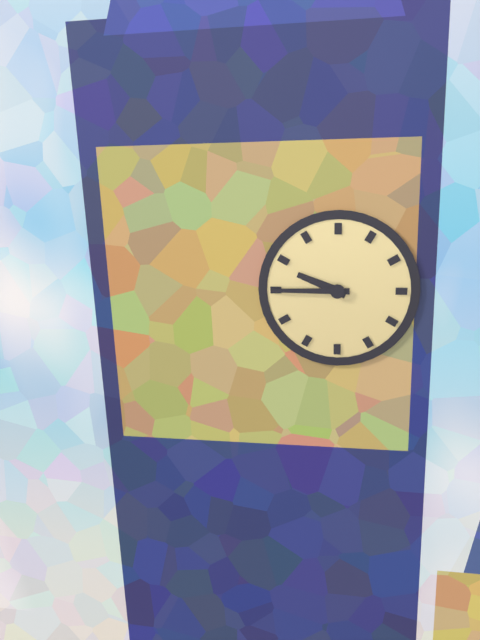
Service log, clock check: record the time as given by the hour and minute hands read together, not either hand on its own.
9:45
